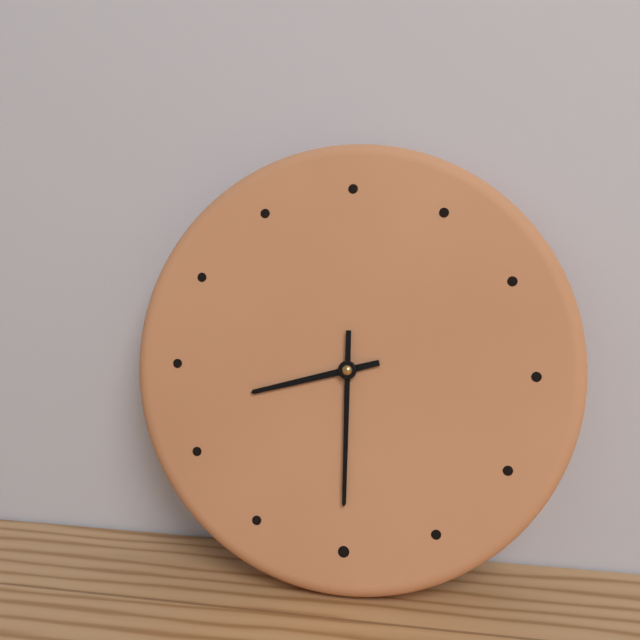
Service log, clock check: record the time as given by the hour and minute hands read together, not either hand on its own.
8:30
